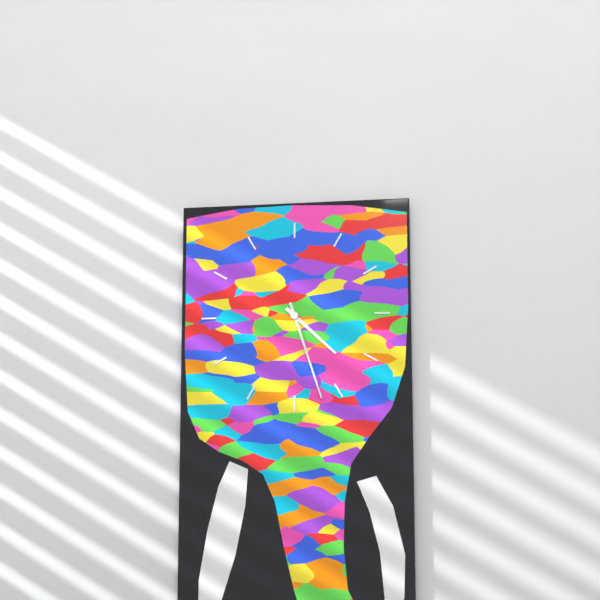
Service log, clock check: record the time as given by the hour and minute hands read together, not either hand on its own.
4:27
